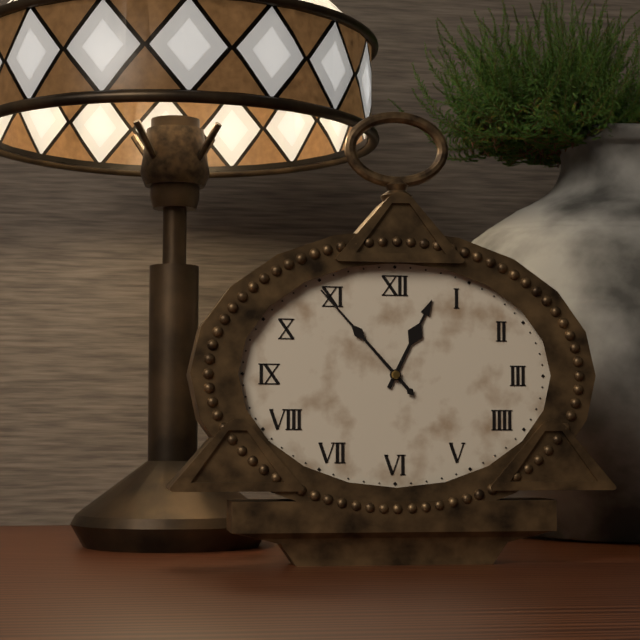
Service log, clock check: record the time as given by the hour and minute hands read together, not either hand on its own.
12:53
